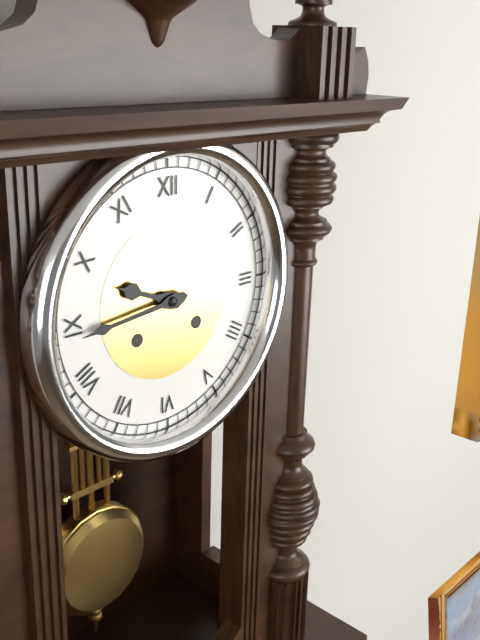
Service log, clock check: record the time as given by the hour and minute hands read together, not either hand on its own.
9:44
